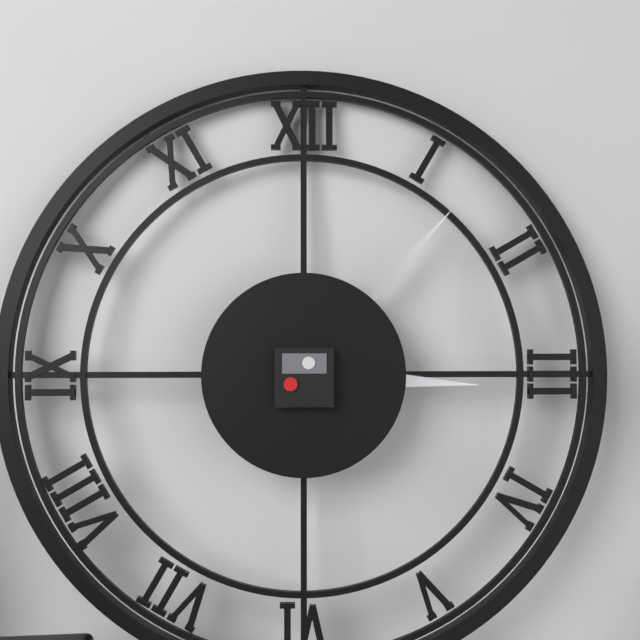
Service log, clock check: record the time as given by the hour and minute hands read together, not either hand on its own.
3:07
